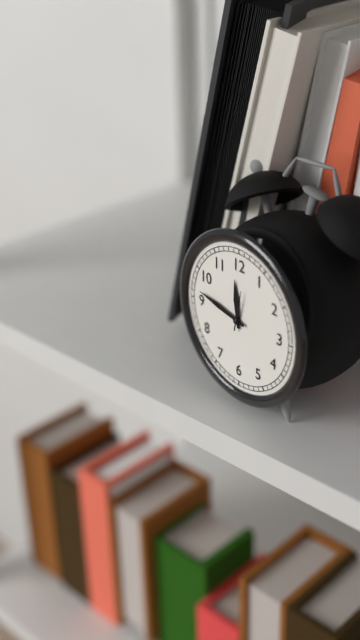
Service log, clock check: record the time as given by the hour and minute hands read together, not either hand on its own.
11:47
